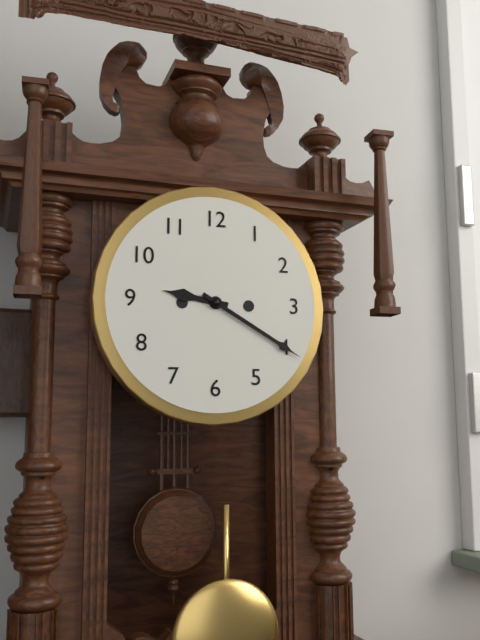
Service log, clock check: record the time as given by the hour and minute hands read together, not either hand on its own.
9:20
